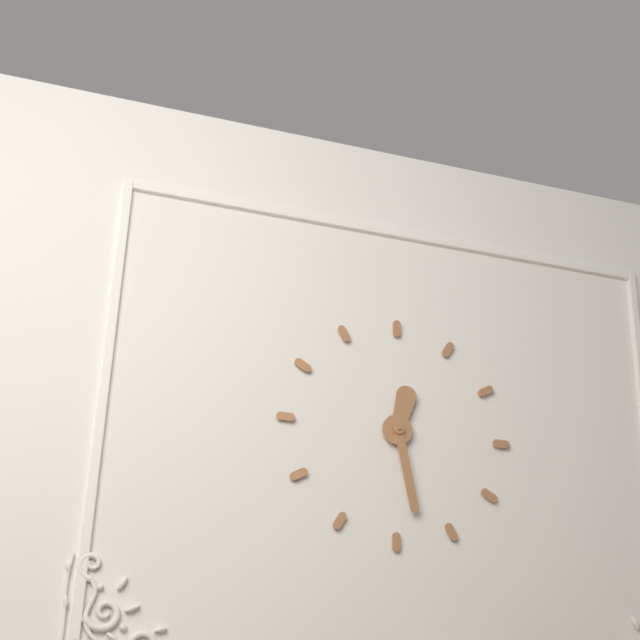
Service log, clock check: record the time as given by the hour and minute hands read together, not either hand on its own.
12:28
